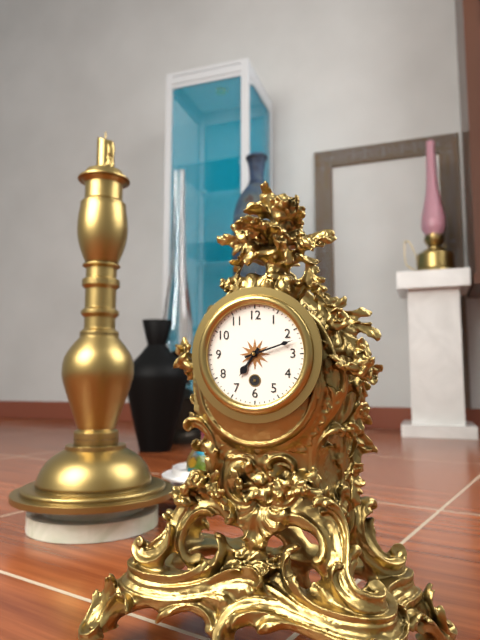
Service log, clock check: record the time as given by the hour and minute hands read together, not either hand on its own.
7:12
